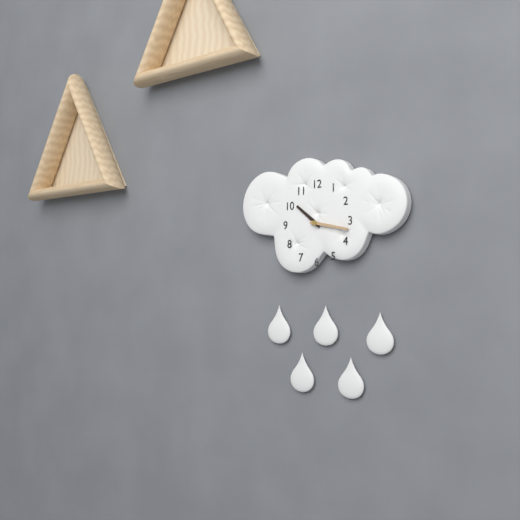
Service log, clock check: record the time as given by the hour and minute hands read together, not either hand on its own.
10:17
